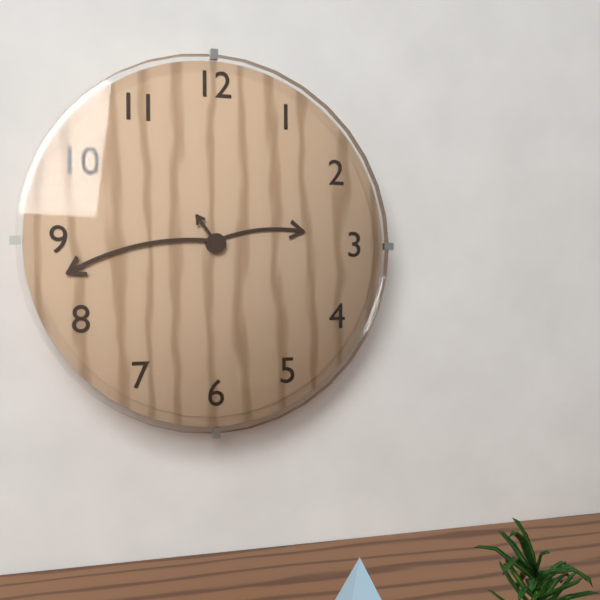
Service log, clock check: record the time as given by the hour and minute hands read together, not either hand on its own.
2:43
